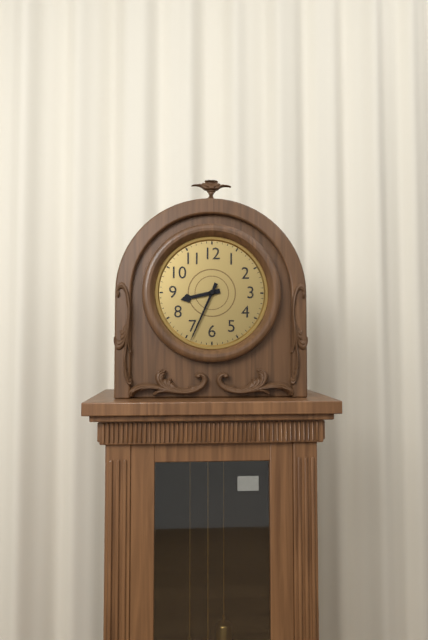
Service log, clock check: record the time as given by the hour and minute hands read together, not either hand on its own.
8:34
